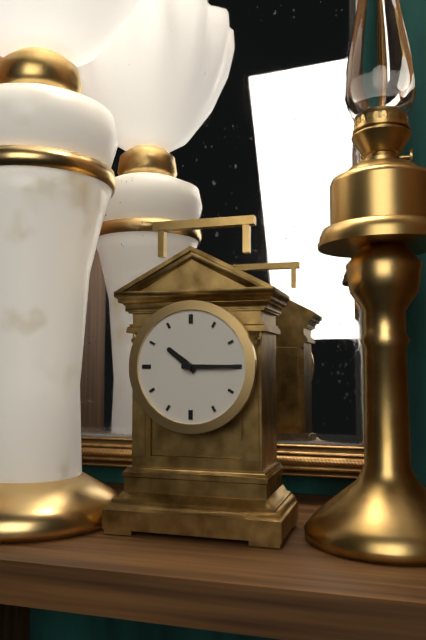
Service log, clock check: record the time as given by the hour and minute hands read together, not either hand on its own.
10:15
